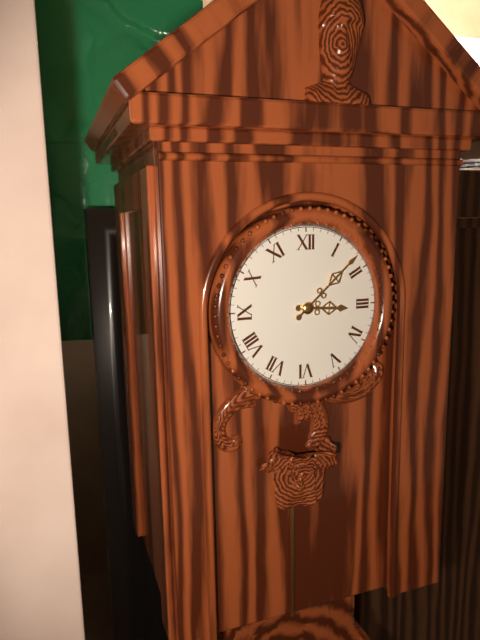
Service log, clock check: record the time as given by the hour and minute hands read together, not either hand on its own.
3:08
